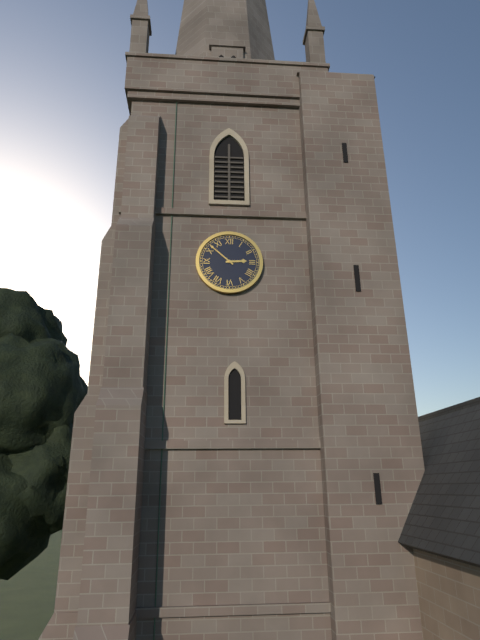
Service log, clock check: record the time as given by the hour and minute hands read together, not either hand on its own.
2:52
